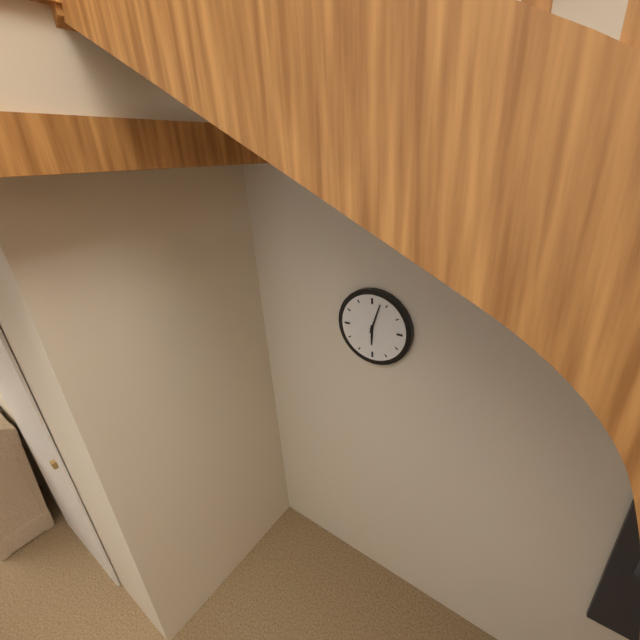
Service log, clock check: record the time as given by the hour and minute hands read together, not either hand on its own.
6:03
